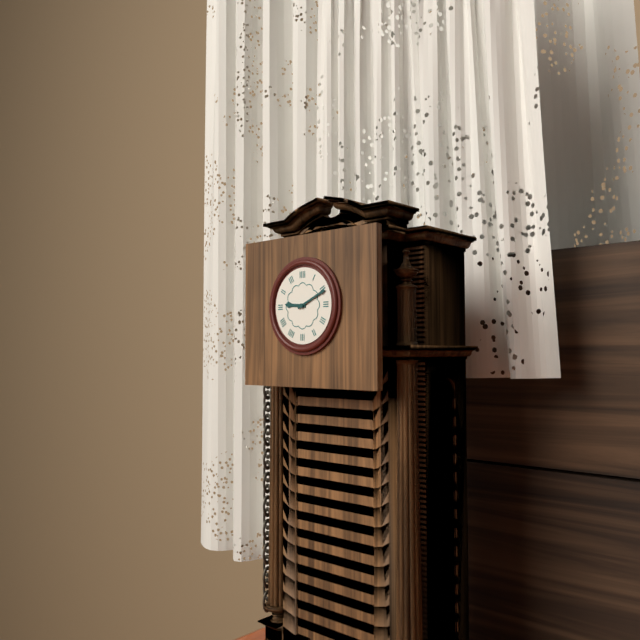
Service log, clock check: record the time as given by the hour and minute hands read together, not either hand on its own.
9:11
